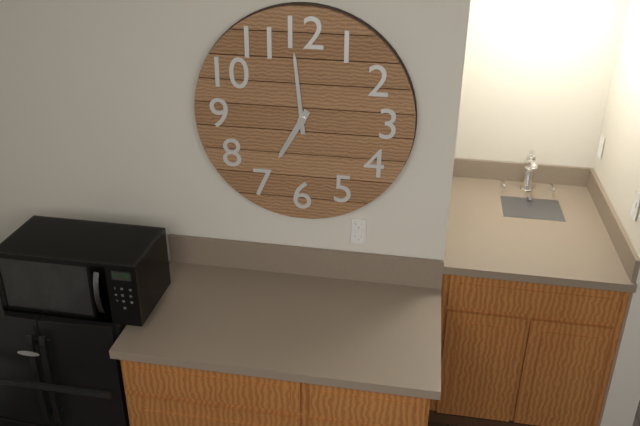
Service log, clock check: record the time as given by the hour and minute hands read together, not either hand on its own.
6:59
